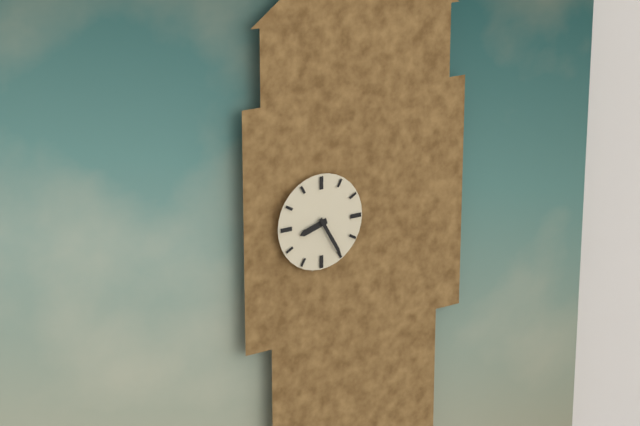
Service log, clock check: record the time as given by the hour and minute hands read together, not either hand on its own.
8:25
